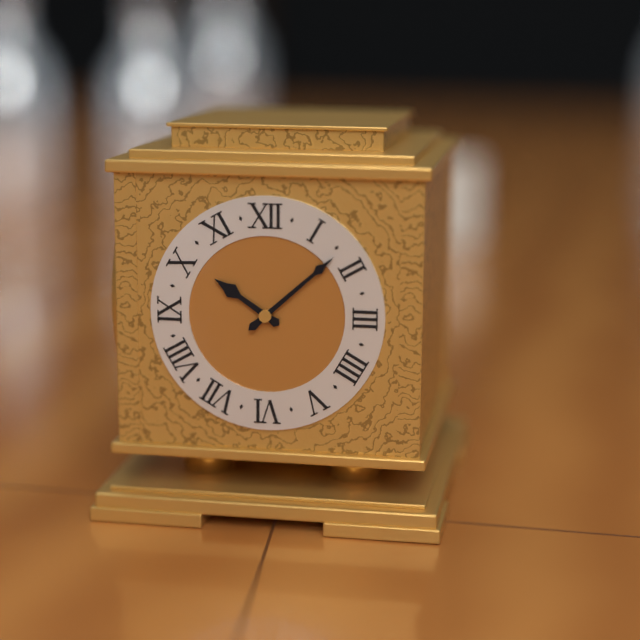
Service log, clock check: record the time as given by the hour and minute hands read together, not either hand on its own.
10:08
